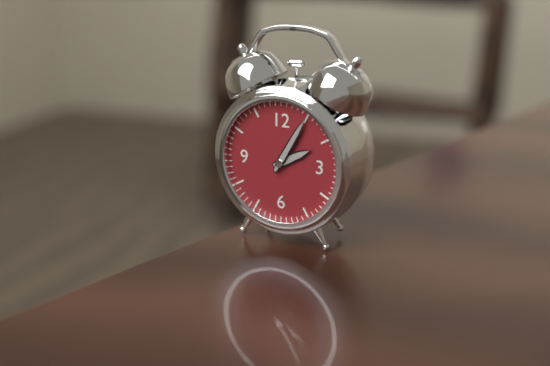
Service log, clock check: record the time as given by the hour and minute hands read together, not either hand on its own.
2:05
